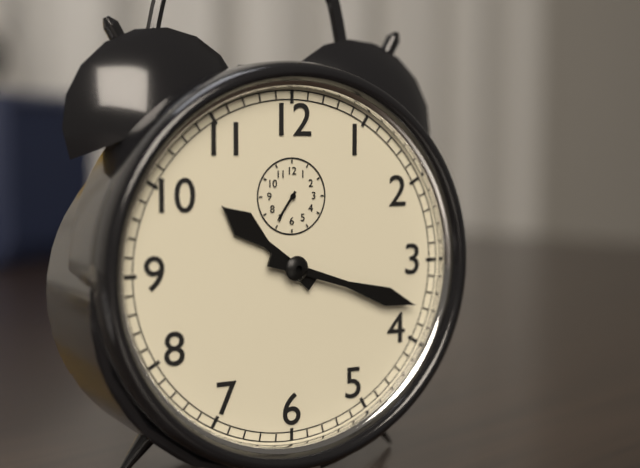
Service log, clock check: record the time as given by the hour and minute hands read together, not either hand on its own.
10:18
